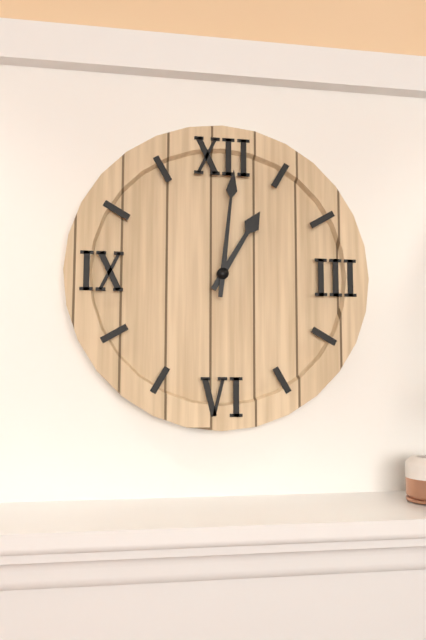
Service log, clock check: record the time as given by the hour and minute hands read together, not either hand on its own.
1:01
